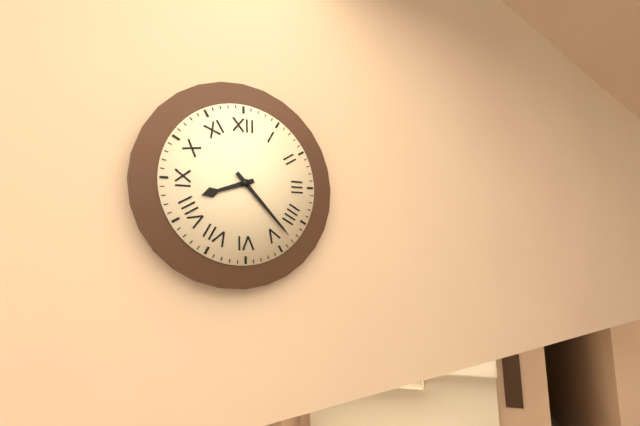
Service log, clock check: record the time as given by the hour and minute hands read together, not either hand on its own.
8:23
